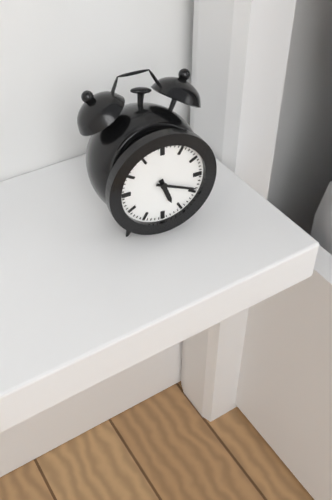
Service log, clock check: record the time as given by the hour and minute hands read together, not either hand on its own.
5:19
